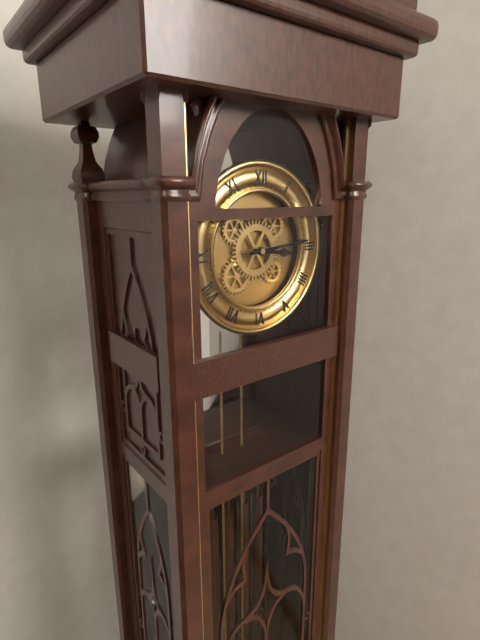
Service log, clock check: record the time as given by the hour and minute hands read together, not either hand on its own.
3:14
